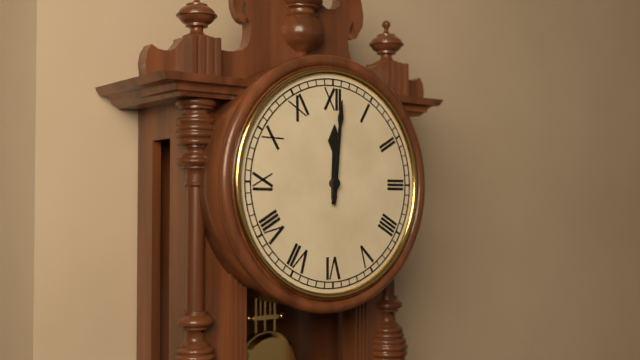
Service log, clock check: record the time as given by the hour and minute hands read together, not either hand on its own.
12:01
